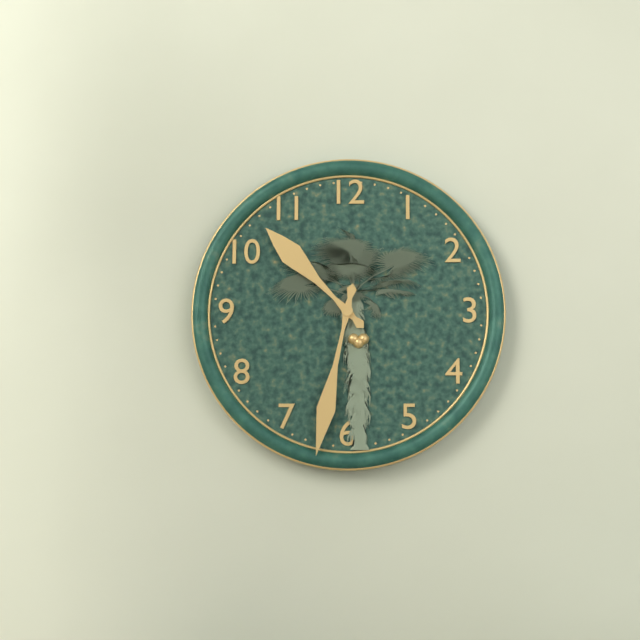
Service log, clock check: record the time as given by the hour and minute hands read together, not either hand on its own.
10:32
